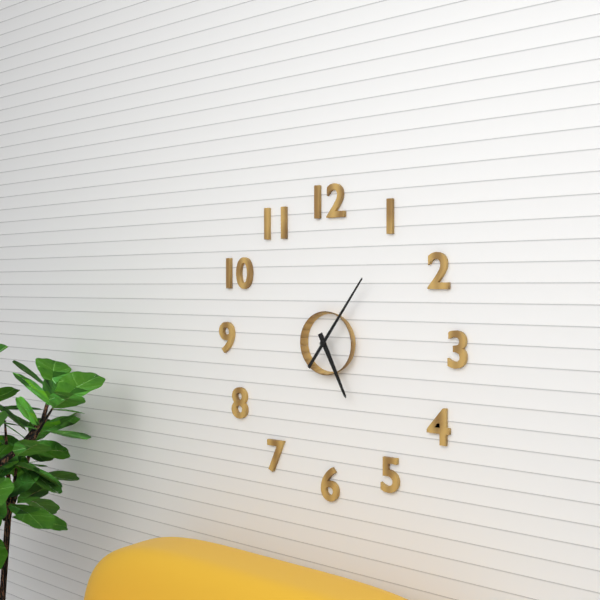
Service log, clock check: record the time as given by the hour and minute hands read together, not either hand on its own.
5:06
